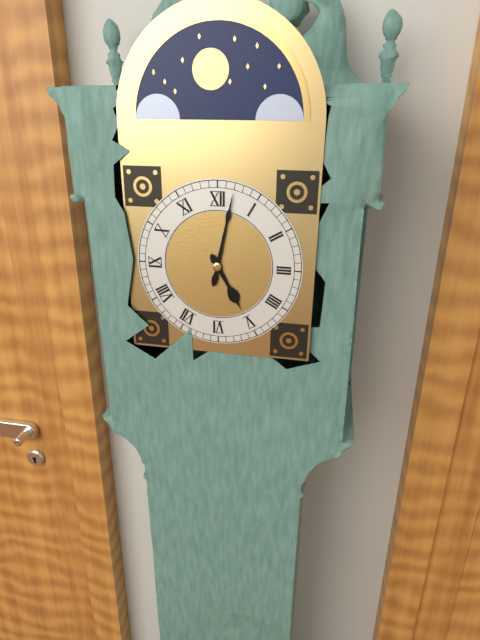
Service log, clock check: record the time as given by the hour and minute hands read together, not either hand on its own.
5:02
